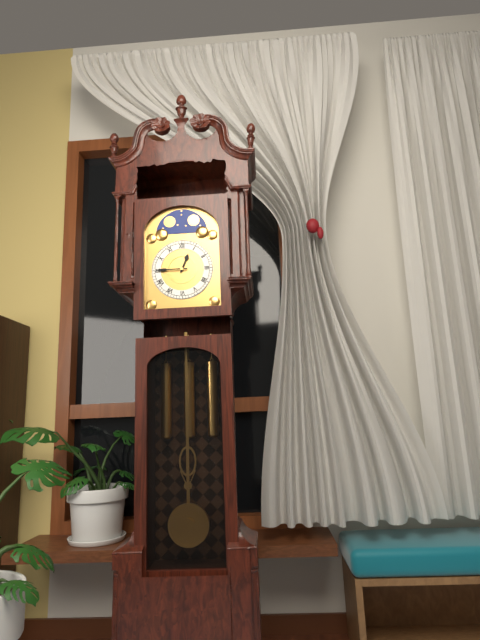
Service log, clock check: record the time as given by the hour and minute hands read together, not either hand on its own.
12:45
